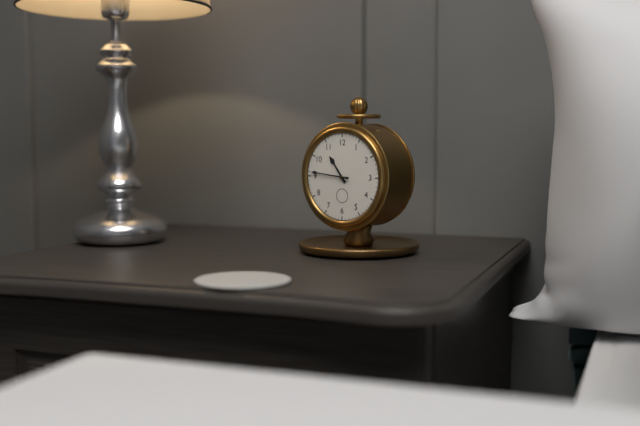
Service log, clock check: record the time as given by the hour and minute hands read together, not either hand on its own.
10:46
